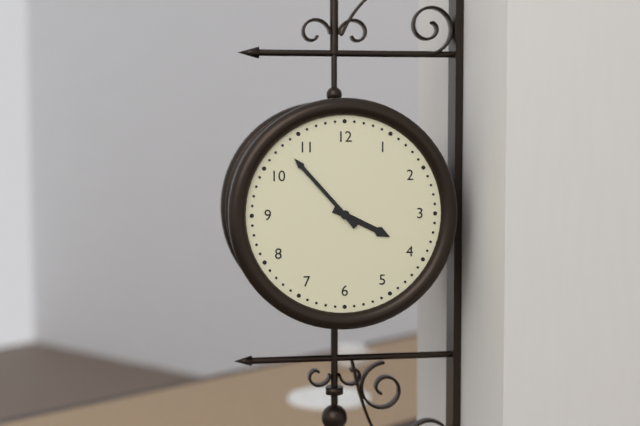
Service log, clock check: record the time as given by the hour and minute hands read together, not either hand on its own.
3:53
